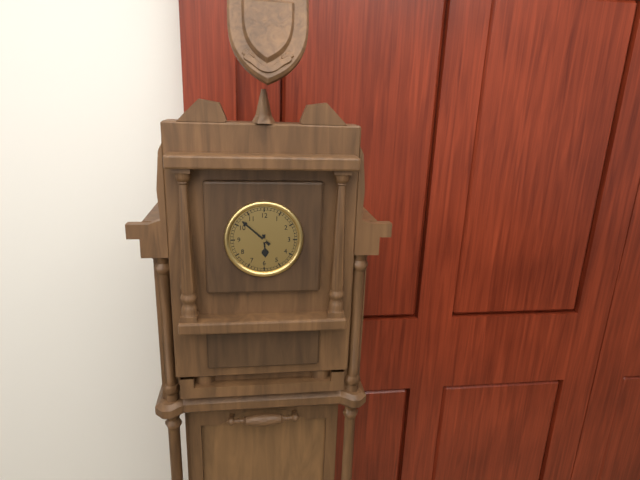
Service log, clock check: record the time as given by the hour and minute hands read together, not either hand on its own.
5:52
